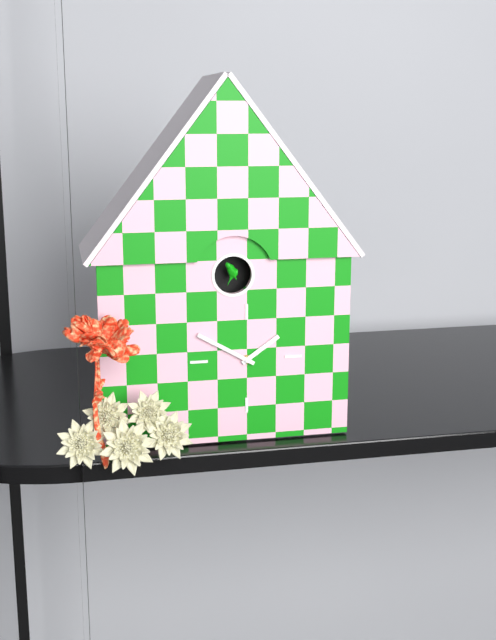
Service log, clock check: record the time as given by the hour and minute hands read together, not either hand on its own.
1:50
